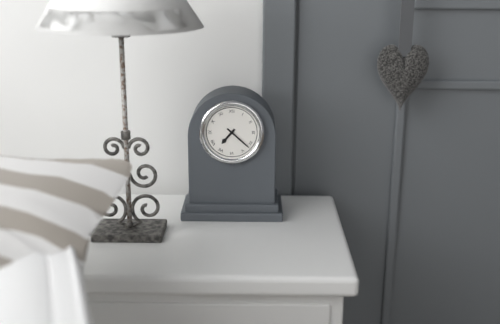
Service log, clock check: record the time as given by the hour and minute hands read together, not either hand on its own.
7:22
